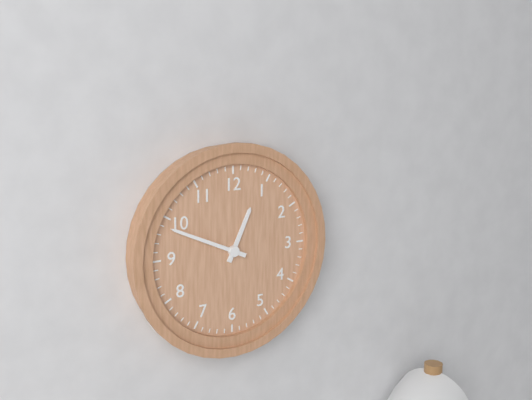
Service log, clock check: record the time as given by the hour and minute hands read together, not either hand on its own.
12:49
